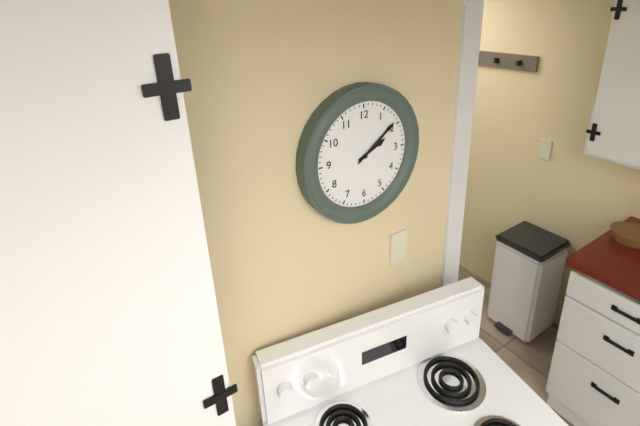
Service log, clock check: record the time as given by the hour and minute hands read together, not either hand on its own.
2:09
